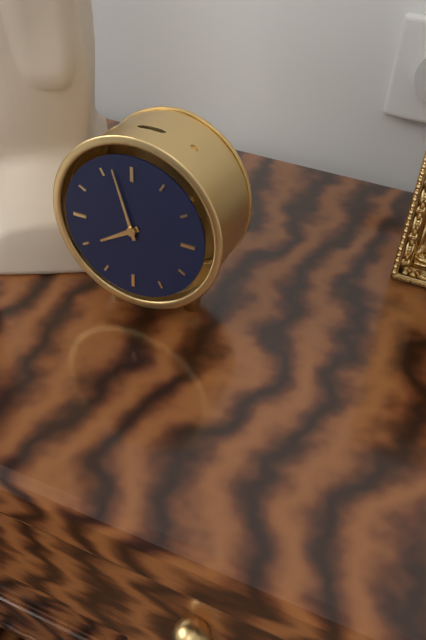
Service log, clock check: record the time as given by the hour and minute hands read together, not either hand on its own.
7:57
